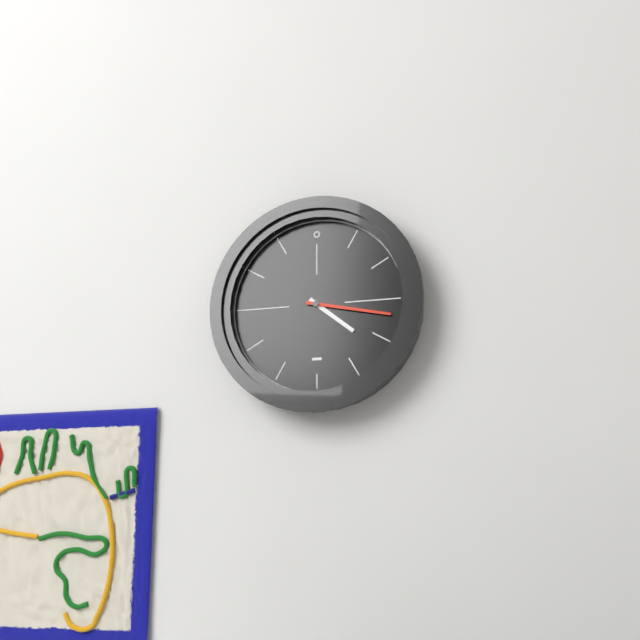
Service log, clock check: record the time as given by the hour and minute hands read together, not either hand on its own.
4:17
